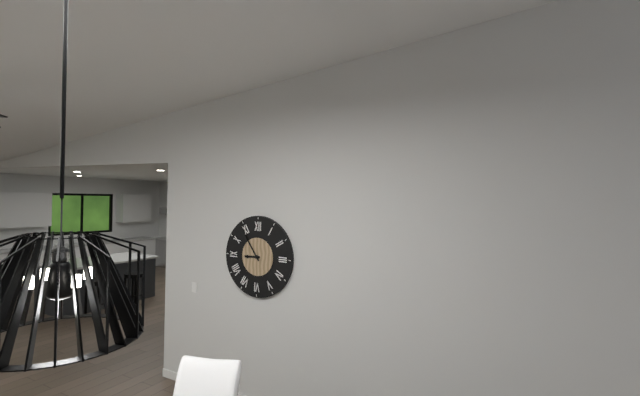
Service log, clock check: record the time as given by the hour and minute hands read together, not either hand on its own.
8:54
